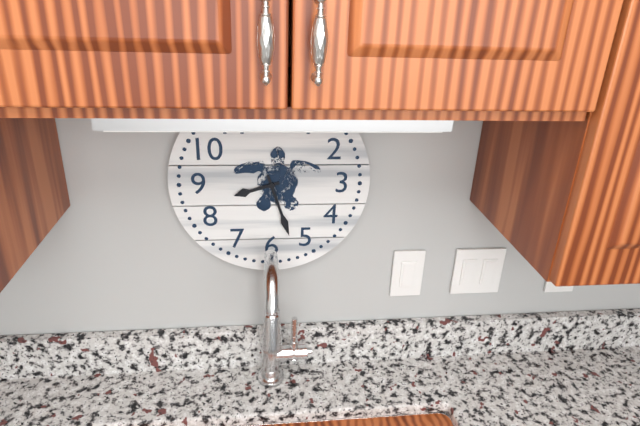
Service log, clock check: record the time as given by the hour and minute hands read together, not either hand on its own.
8:27
